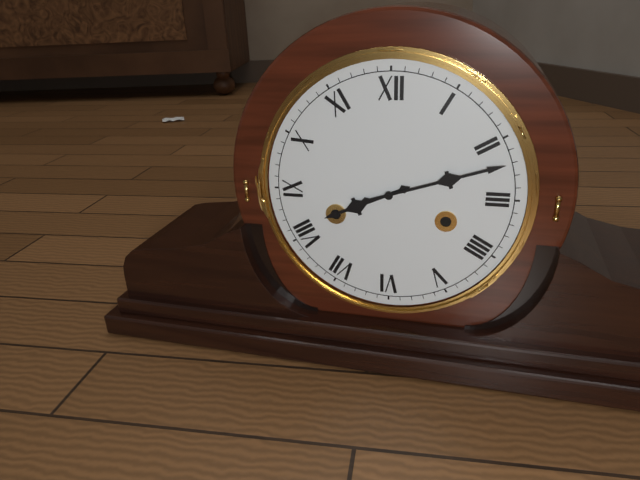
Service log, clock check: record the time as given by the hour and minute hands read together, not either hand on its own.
8:12
